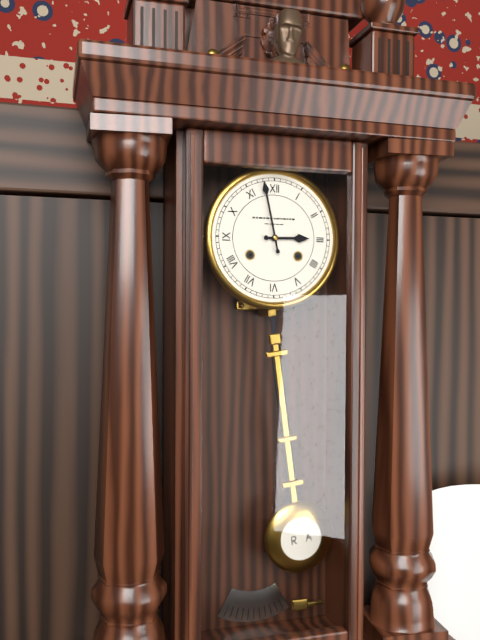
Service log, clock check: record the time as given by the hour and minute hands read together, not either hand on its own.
2:58
